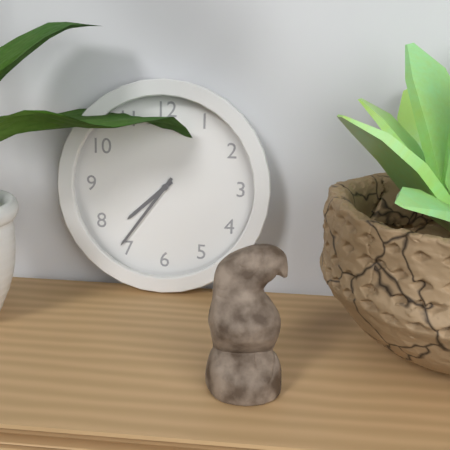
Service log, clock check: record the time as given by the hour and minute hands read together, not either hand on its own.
7:36
